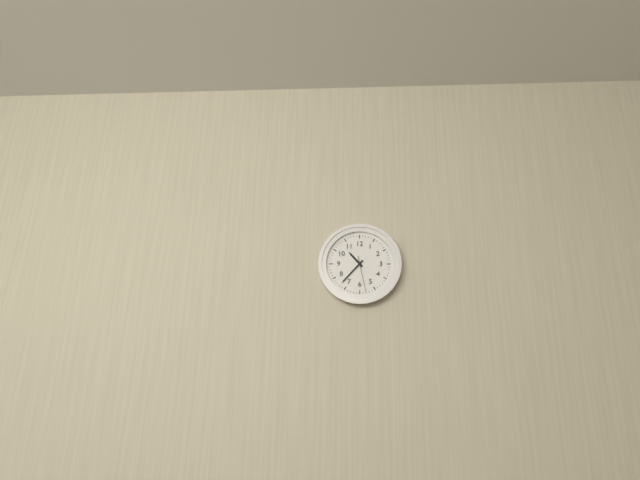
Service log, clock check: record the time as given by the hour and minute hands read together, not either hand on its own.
10:37
